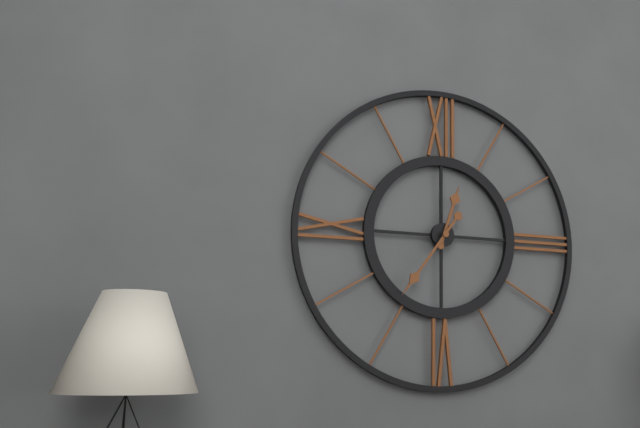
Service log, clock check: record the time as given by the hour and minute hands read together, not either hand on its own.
12:36
